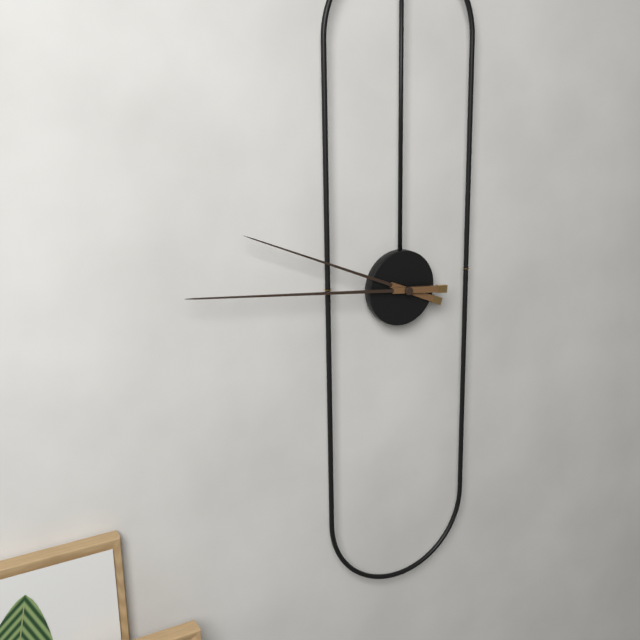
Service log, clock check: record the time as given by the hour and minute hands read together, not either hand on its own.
9:46
